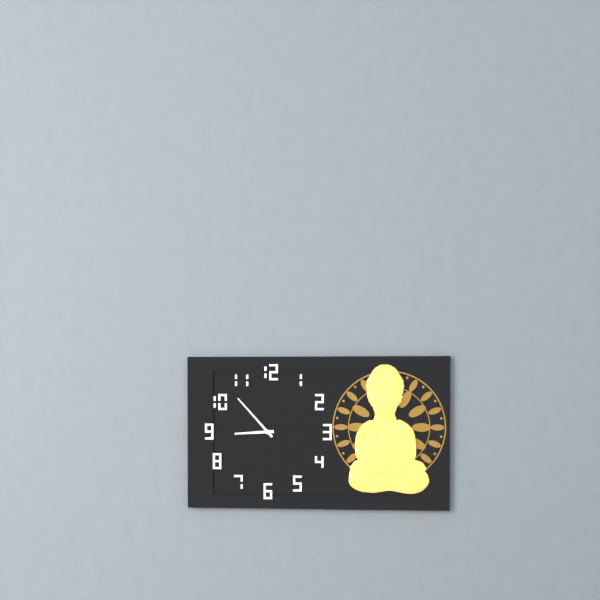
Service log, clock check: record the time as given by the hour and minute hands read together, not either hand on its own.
8:53
